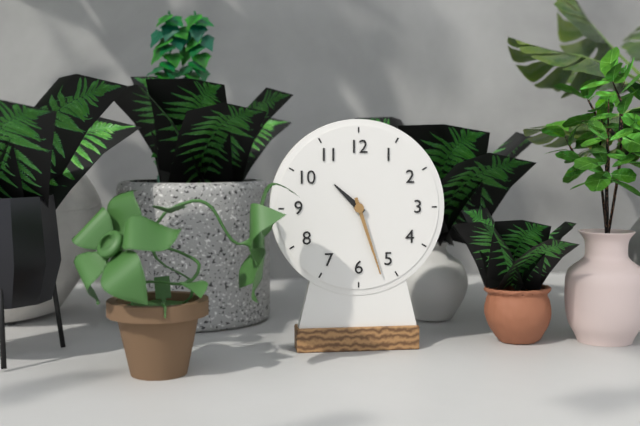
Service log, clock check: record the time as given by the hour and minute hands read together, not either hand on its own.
10:27
